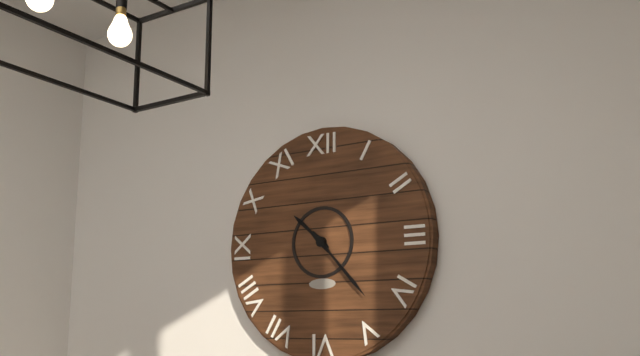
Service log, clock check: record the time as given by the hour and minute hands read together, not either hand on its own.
10:23
